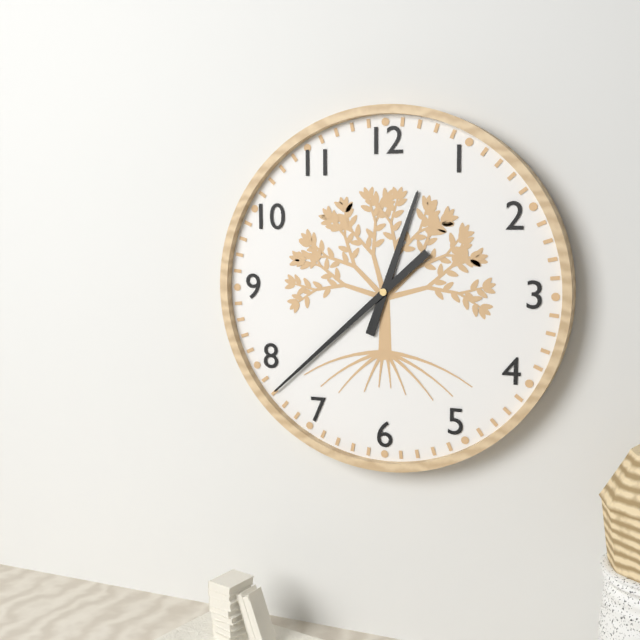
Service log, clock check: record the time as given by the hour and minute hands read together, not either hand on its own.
12:38
